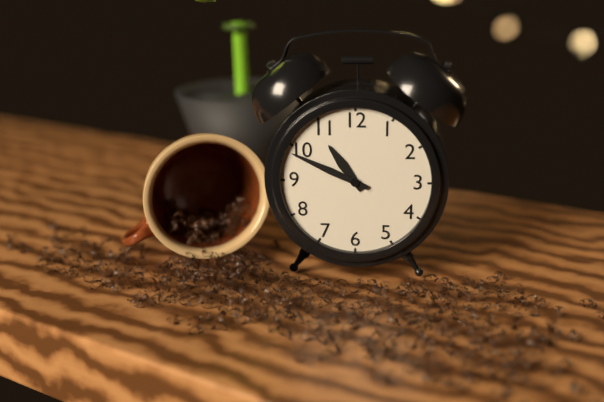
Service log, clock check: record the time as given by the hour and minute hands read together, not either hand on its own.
10:49
